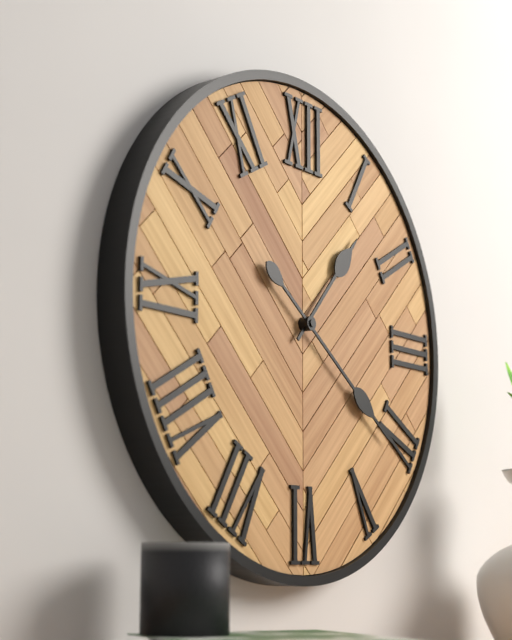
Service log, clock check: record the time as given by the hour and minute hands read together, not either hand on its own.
1:21
